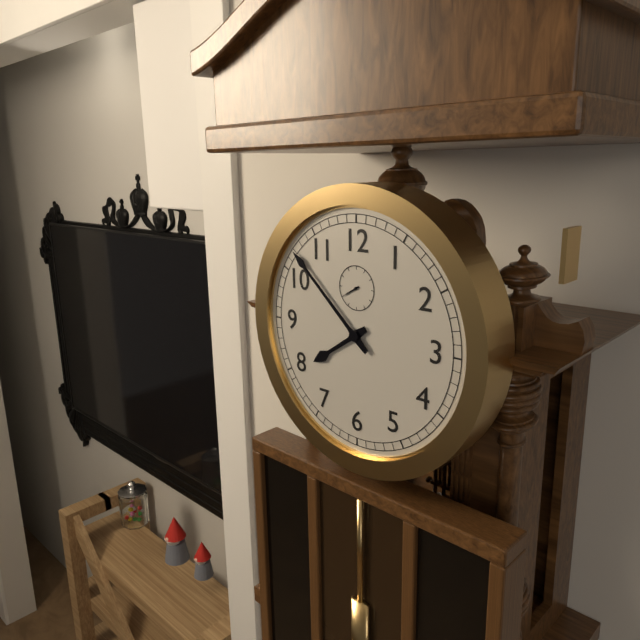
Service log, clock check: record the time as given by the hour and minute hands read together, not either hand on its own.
7:52
